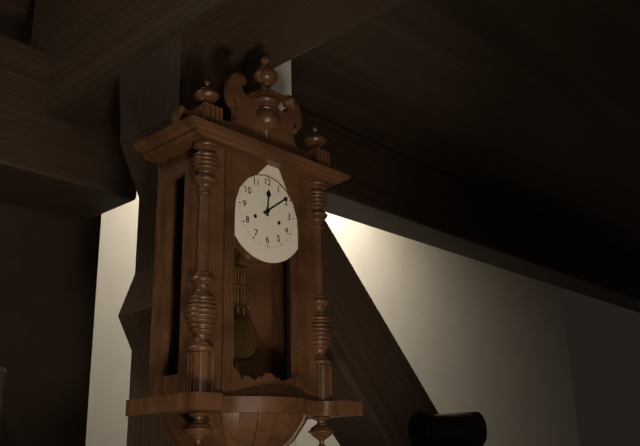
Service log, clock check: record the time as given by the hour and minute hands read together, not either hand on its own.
12:09
